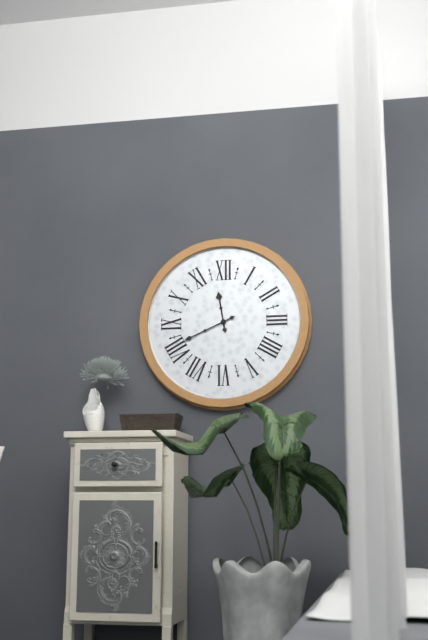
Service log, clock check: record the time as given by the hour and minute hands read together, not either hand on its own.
11:41
